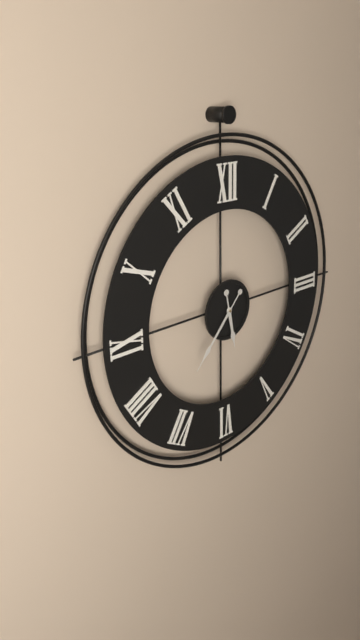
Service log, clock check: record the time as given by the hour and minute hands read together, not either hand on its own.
5:37
